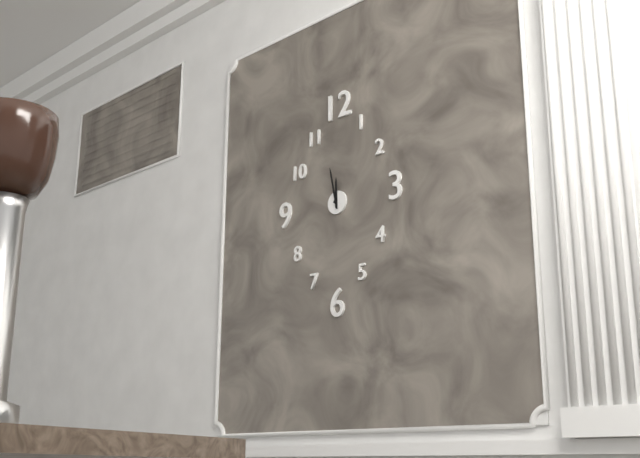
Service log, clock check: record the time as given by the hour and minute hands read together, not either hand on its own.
11:58
